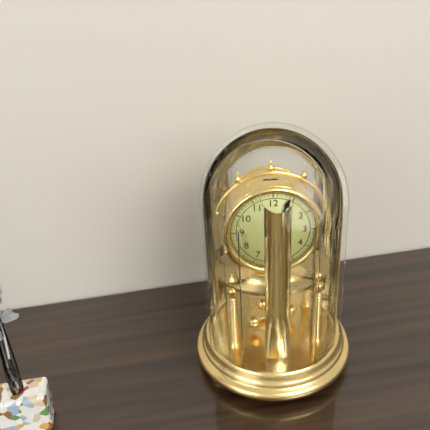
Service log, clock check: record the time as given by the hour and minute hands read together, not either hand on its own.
5:04
